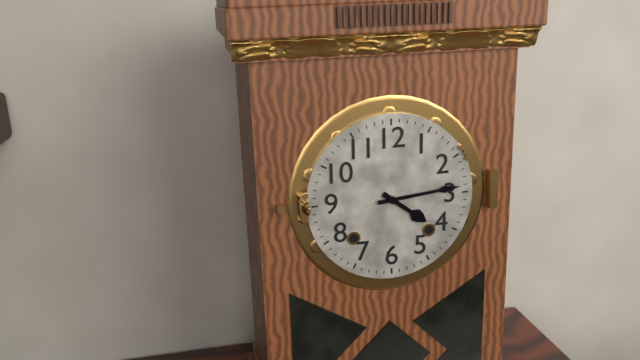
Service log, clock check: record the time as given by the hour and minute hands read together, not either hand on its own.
4:14
